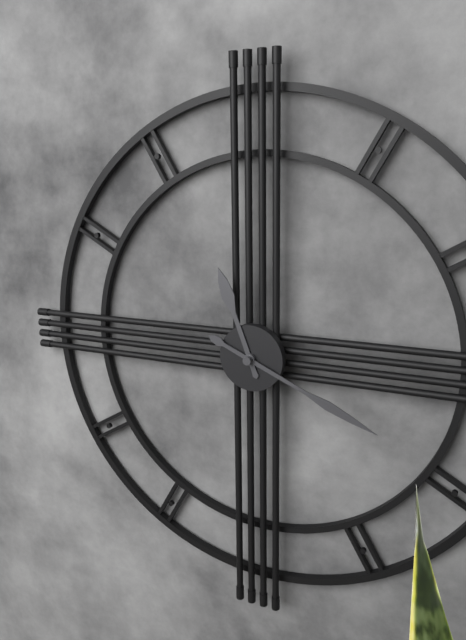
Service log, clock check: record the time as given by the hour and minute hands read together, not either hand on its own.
11:19
